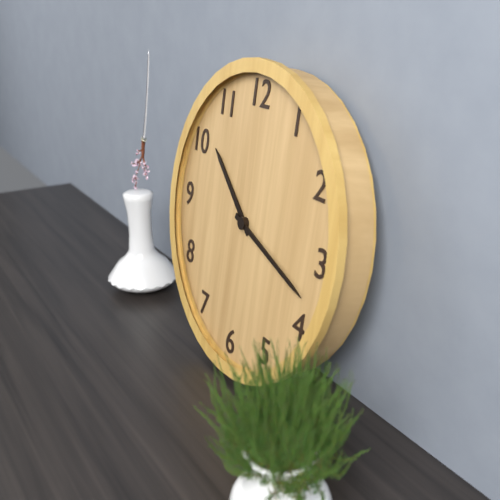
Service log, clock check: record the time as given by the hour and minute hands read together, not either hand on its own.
10:18
